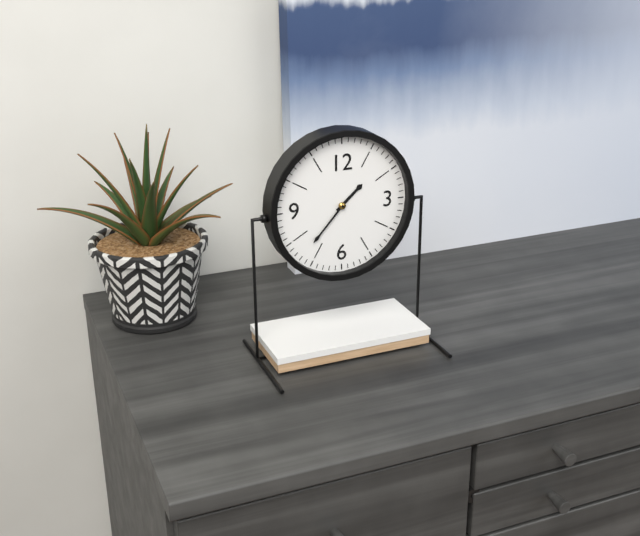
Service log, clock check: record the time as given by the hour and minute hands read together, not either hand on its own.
1:37
